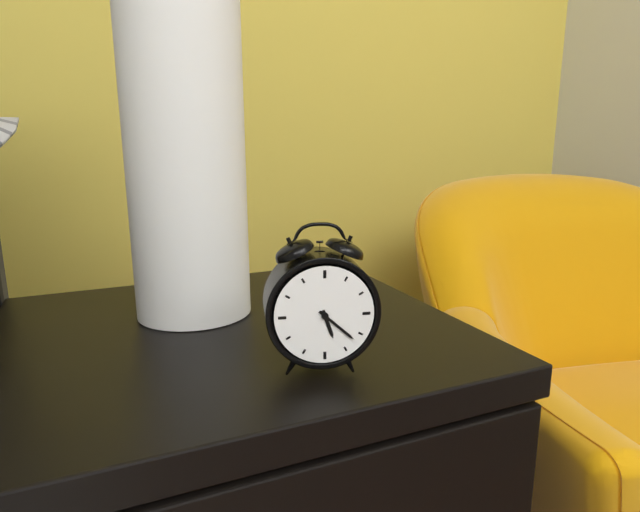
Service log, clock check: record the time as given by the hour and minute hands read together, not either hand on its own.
5:22
